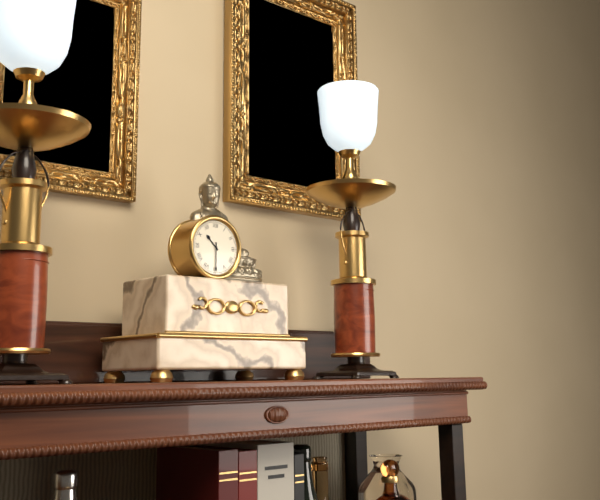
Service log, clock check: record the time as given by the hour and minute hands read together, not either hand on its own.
10:30
